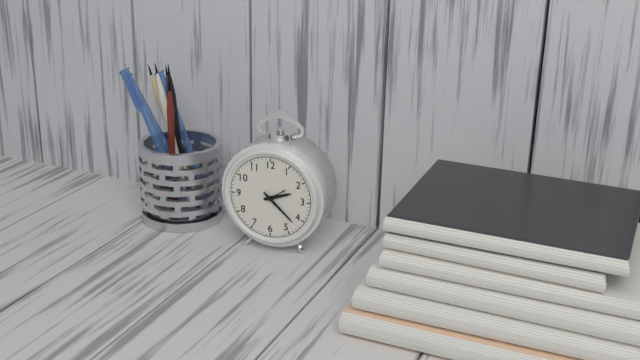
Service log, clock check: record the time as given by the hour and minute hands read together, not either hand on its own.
2:22
